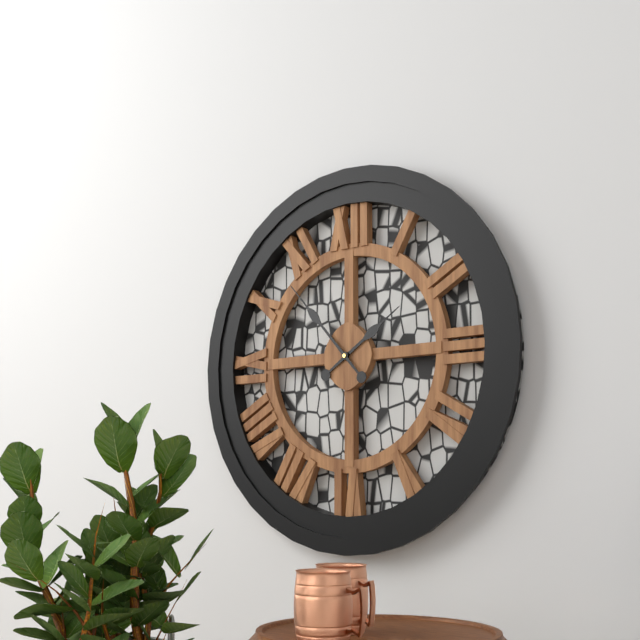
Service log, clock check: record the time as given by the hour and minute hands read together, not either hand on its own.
1:53
